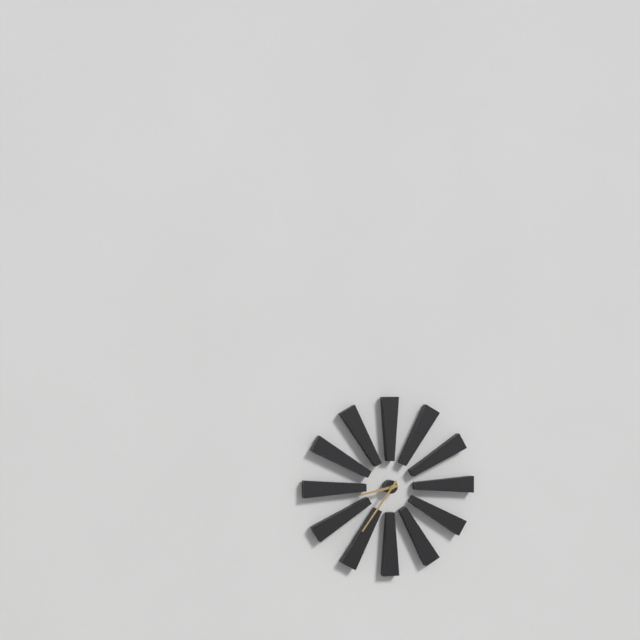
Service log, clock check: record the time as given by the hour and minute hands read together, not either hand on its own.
8:36
